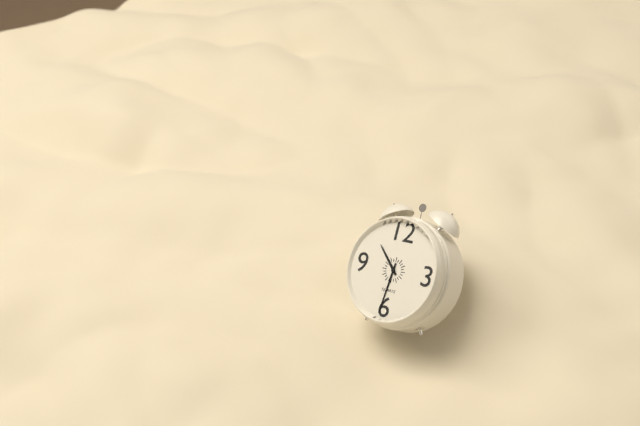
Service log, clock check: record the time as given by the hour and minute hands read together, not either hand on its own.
10:31
